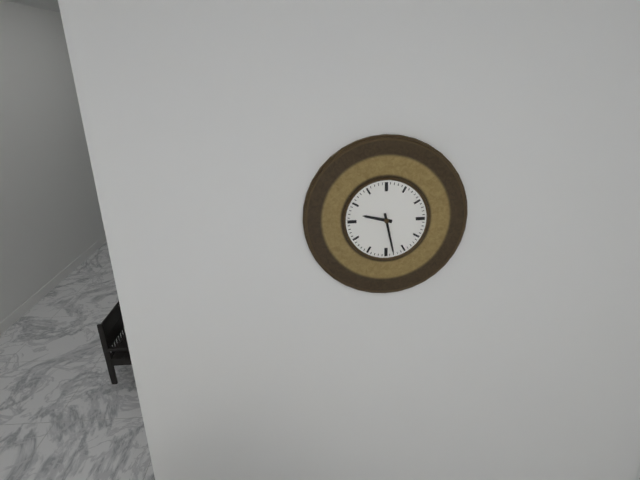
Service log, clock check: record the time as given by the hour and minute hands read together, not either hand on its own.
9:28
